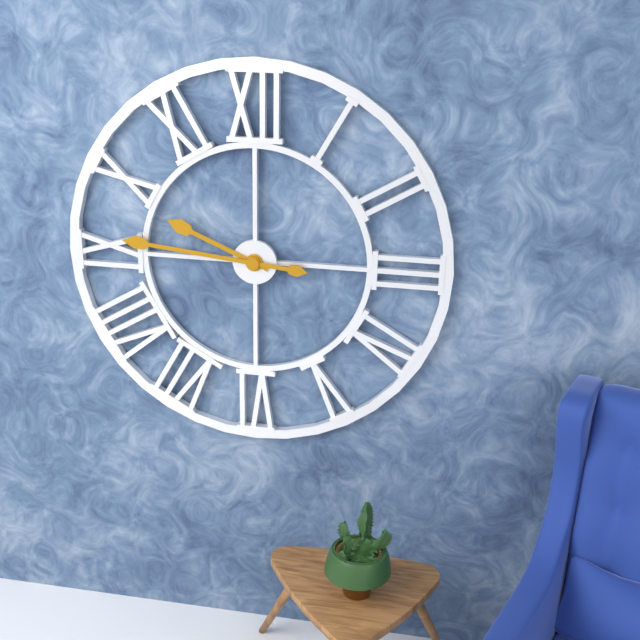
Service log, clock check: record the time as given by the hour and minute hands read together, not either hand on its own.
9:46
